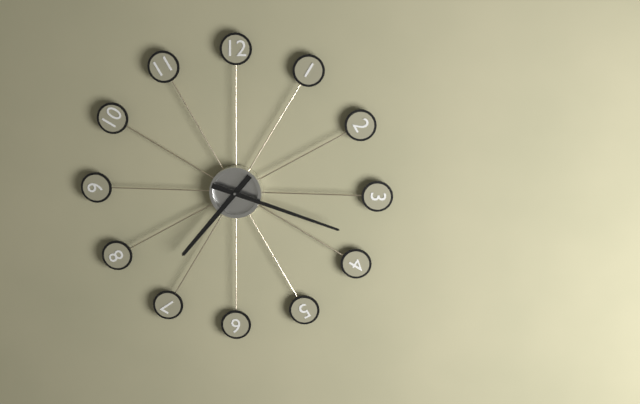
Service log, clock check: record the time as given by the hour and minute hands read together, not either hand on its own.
7:18
